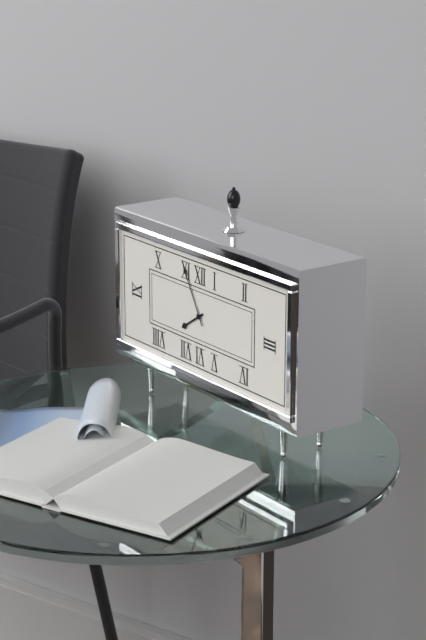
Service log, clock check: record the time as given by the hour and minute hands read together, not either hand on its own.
7:55
